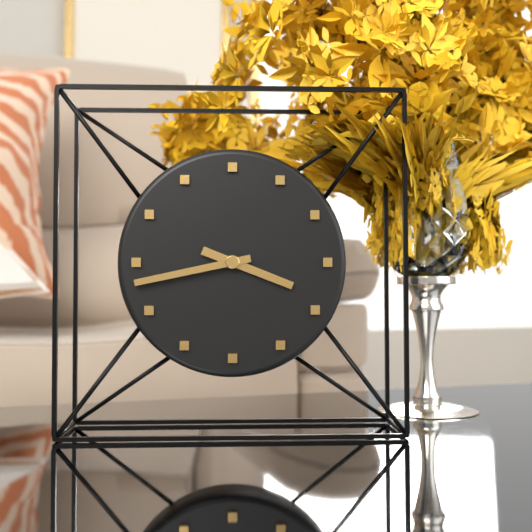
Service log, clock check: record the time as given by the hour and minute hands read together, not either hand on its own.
3:43
